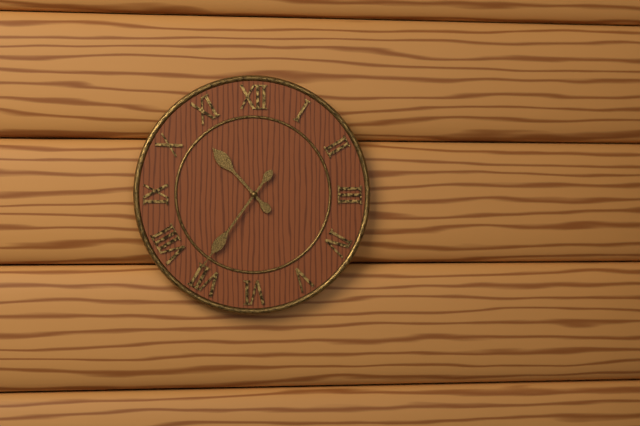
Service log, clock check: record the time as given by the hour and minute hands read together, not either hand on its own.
10:36
